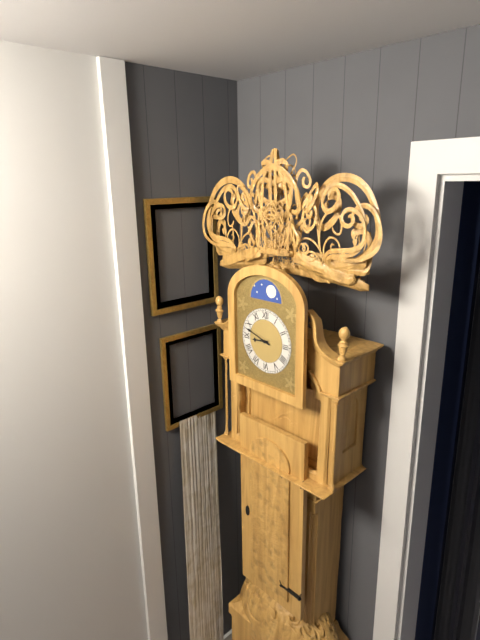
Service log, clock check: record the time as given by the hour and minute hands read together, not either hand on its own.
8:48
